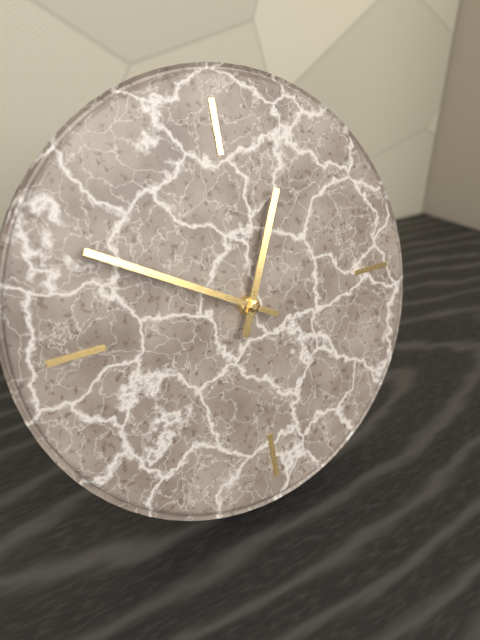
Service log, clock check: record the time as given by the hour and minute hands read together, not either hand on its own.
12:50
